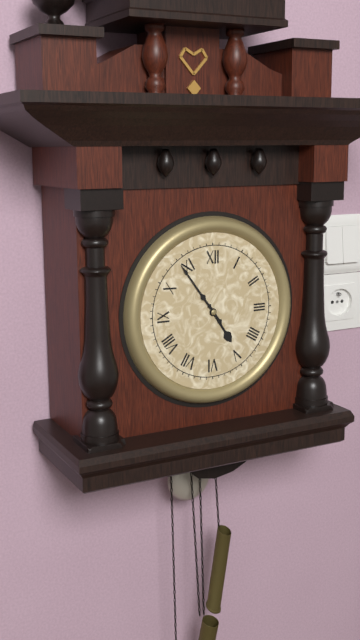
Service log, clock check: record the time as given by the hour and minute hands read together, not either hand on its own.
4:54
